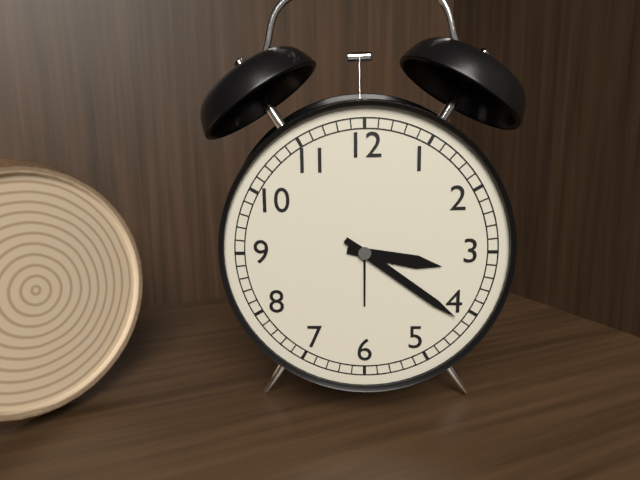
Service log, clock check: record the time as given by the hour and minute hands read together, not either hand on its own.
3:21
